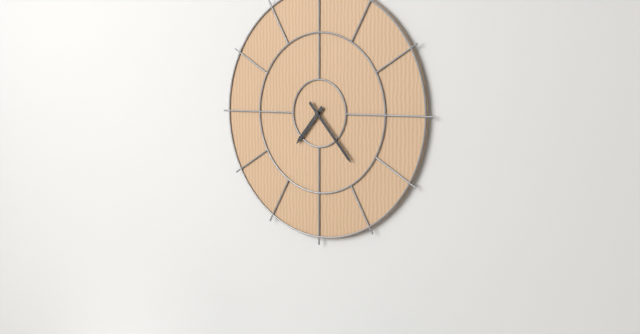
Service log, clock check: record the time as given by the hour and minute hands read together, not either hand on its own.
7:23
